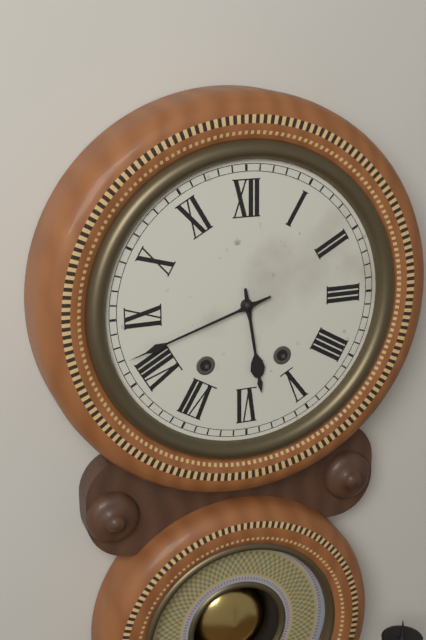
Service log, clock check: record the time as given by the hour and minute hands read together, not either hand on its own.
5:42
